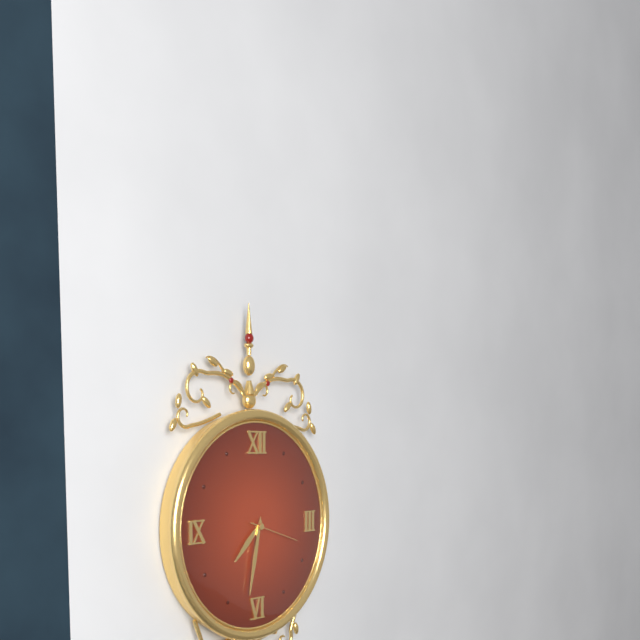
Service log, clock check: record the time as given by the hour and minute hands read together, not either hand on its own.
7:32
